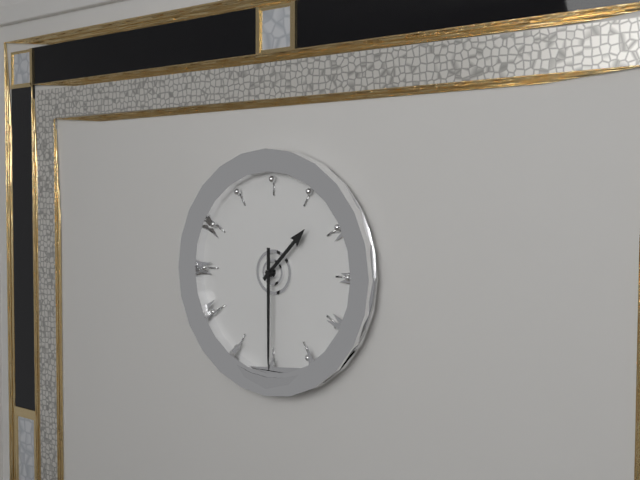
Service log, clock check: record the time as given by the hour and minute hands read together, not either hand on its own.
1:30
